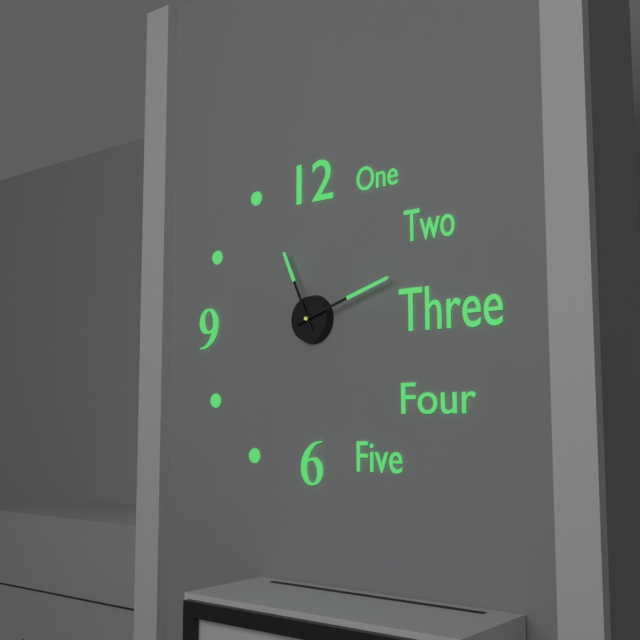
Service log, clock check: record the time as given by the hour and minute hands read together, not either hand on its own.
11:12
